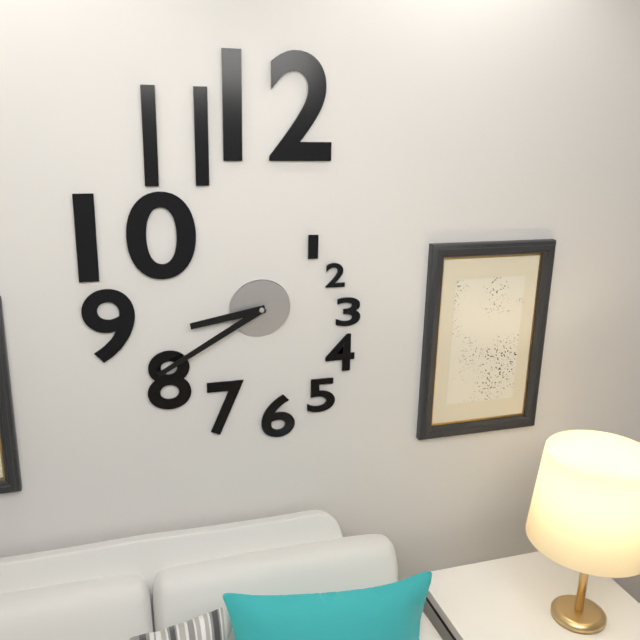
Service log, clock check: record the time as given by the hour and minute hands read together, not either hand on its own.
8:40
